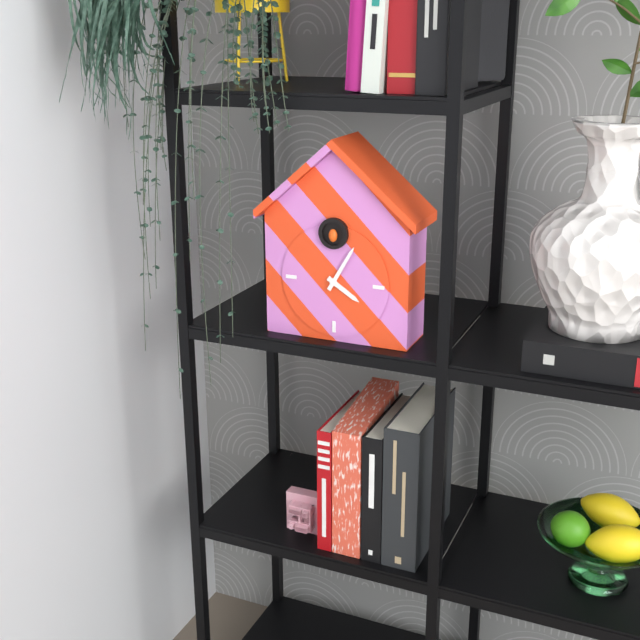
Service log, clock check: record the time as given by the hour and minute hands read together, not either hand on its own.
4:05
